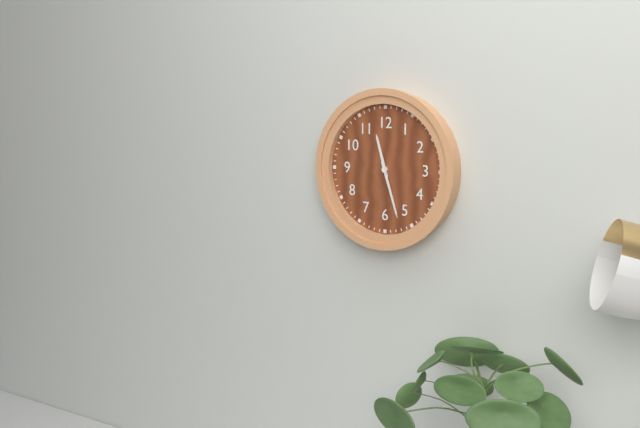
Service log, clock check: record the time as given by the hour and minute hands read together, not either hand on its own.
11:27
